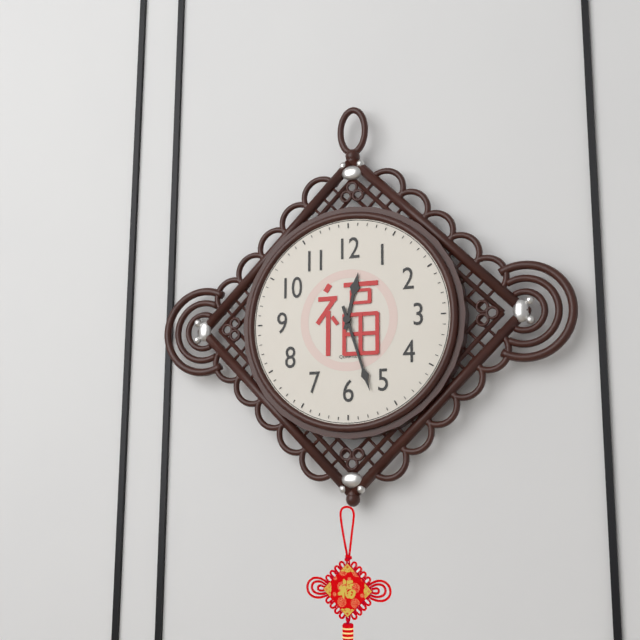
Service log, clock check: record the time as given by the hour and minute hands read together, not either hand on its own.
12:27
